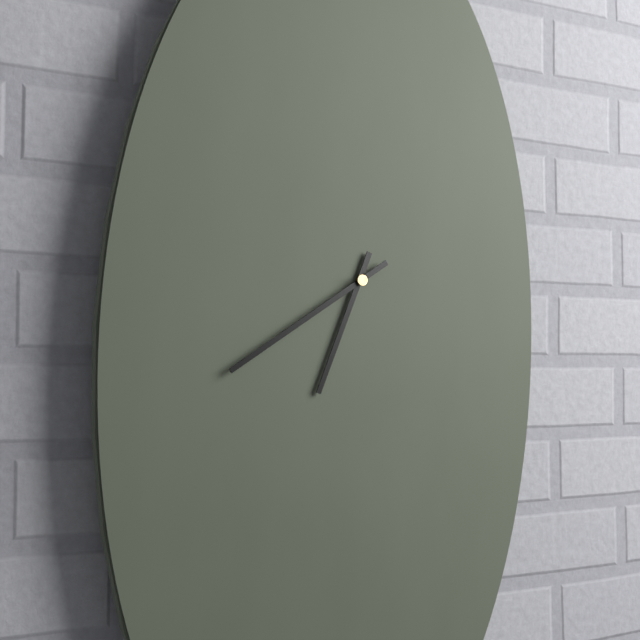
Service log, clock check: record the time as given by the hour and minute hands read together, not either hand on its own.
6:39
